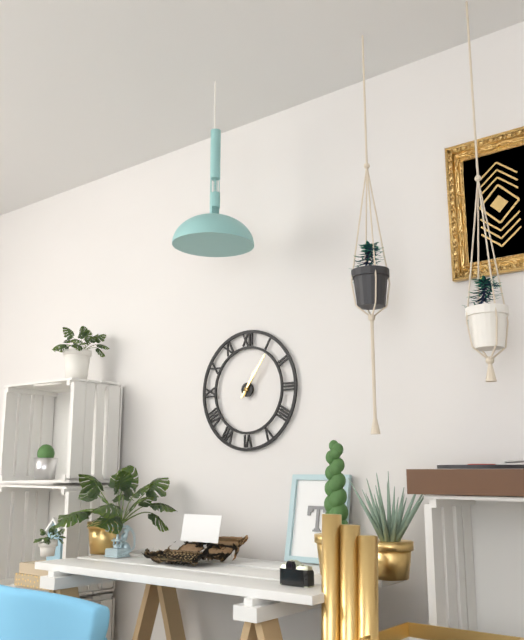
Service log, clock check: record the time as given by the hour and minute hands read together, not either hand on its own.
1:06
